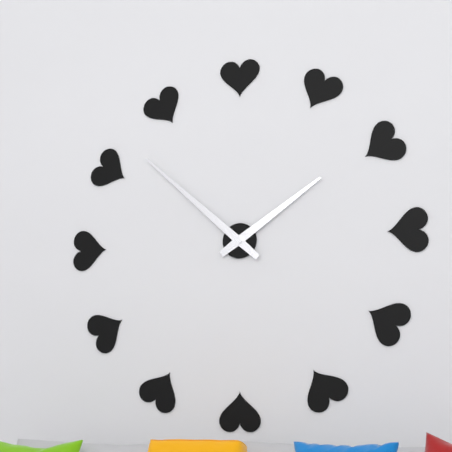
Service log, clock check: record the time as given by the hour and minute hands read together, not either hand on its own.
1:52
